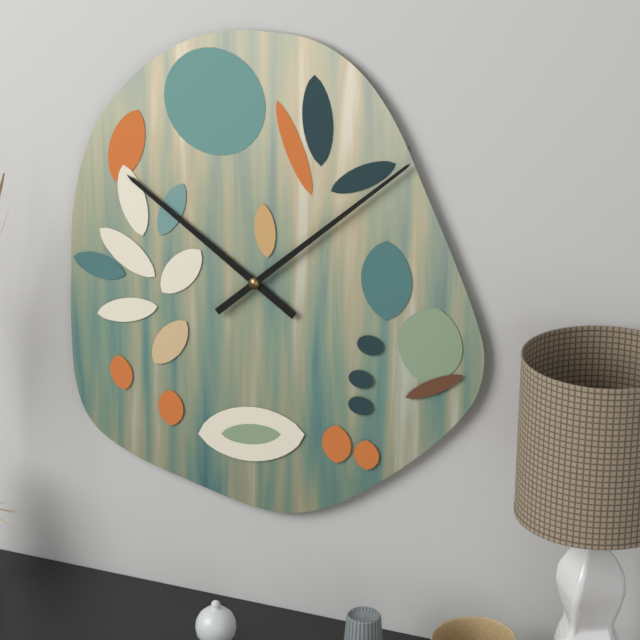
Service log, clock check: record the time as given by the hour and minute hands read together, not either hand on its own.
10:08
